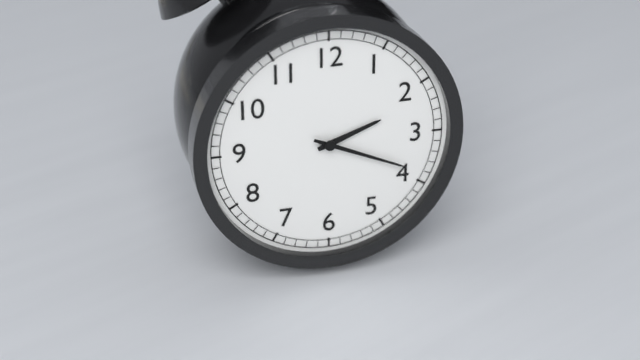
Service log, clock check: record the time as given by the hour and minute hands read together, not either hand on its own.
2:19
